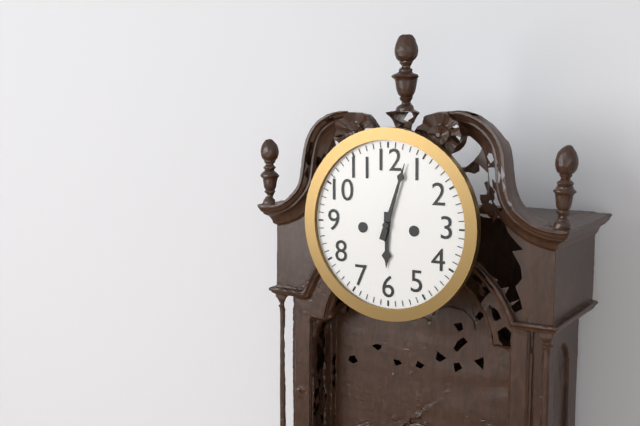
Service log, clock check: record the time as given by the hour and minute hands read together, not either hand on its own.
6:03
